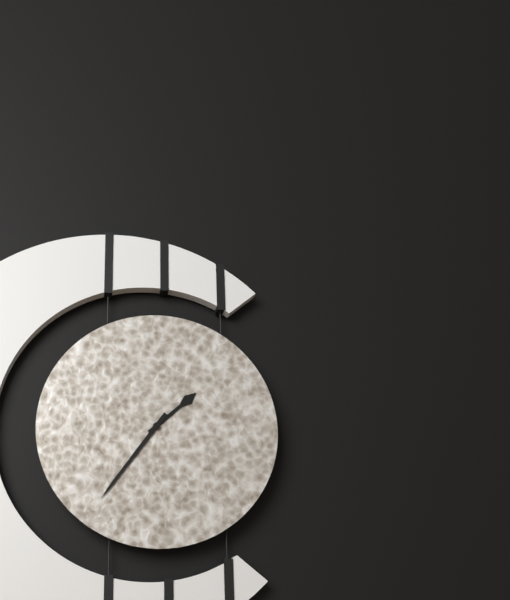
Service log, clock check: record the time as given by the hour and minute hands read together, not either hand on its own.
1:36
